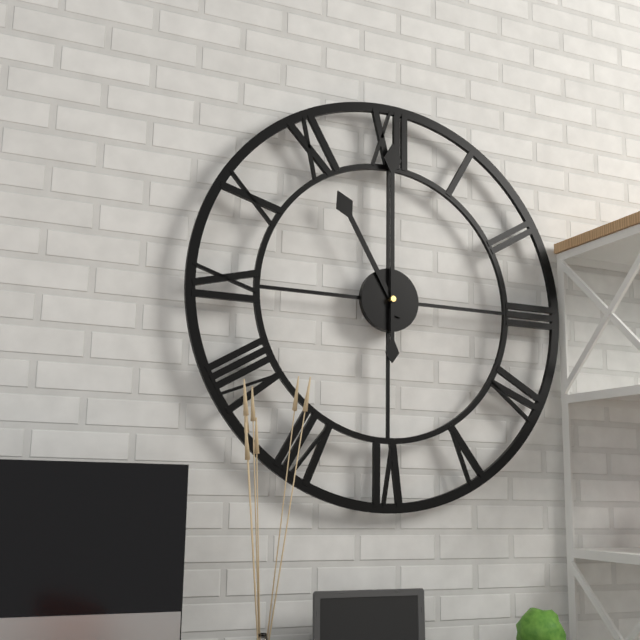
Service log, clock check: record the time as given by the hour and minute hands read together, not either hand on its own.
11:00
